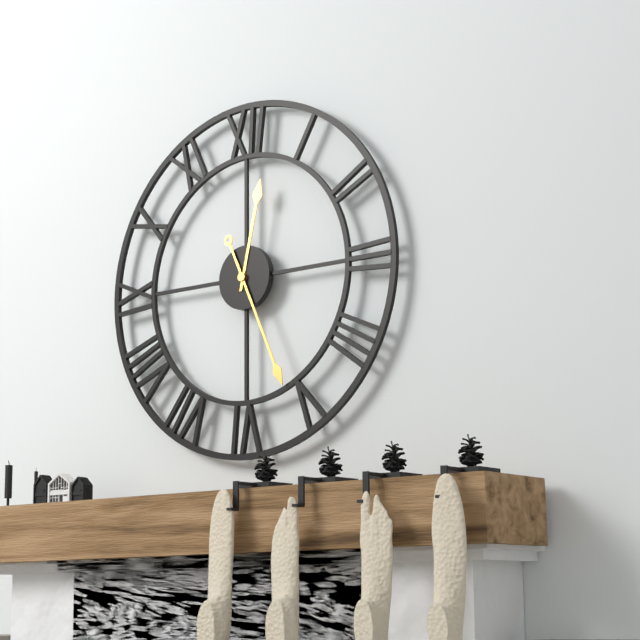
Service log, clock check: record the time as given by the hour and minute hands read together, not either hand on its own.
12:26
